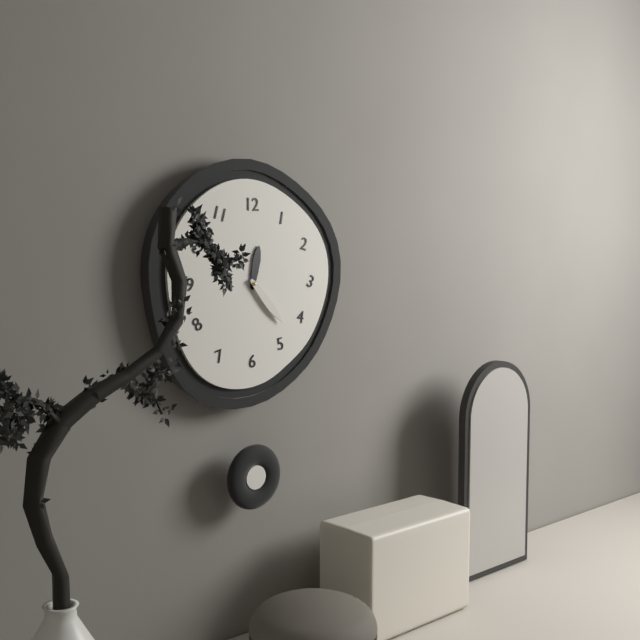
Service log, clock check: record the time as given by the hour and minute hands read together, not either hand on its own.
12:23
